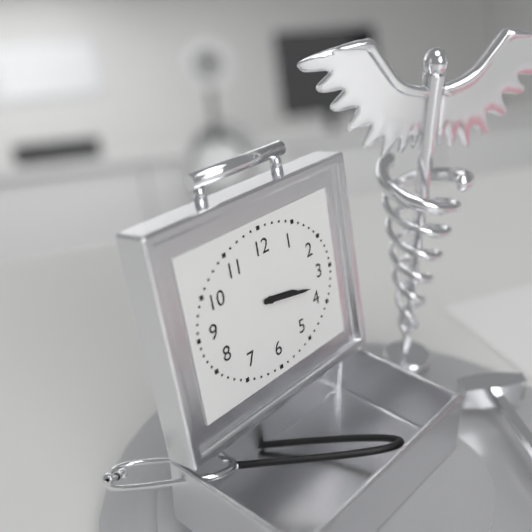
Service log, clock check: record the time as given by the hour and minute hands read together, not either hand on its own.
3:17
